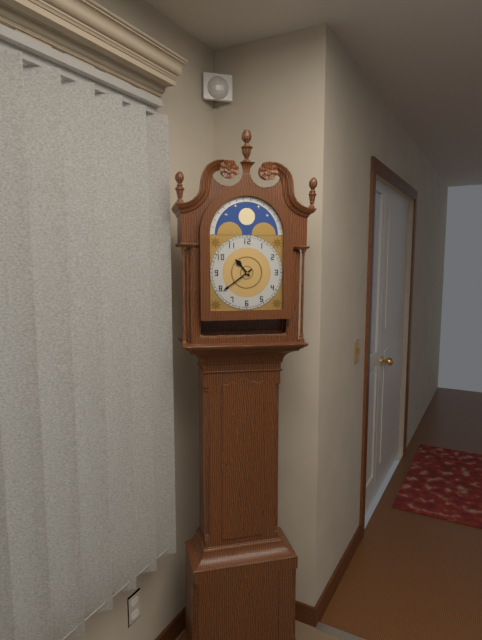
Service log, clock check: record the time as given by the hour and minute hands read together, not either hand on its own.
10:39
